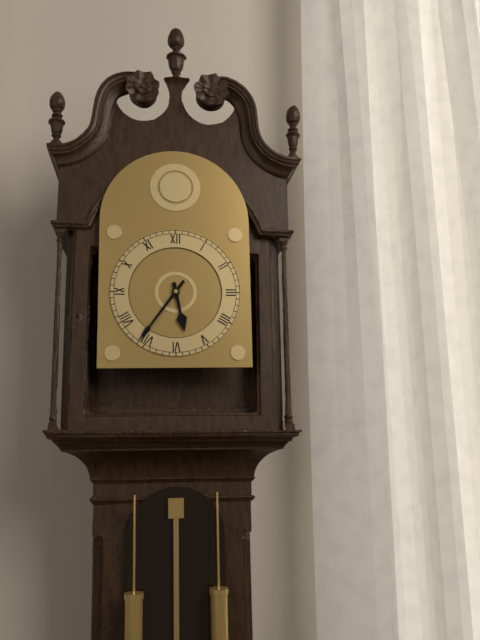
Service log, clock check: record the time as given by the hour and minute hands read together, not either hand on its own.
5:36
